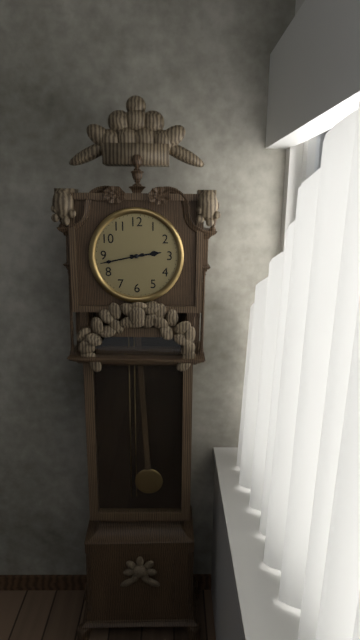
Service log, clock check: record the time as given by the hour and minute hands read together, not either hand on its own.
2:43
